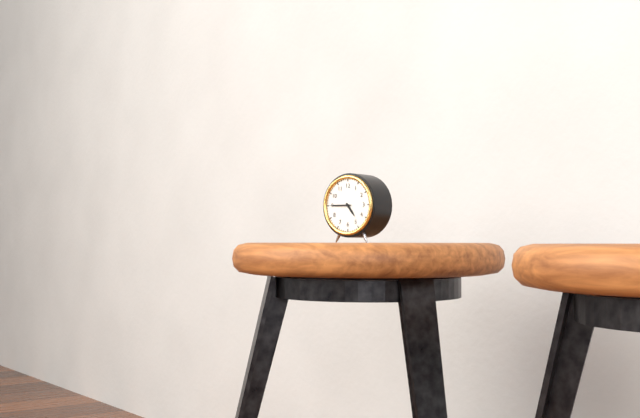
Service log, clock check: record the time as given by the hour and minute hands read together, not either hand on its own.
4:45
